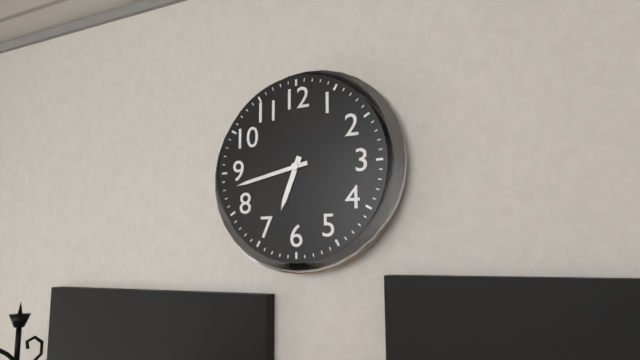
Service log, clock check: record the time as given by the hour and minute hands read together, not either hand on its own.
6:43
